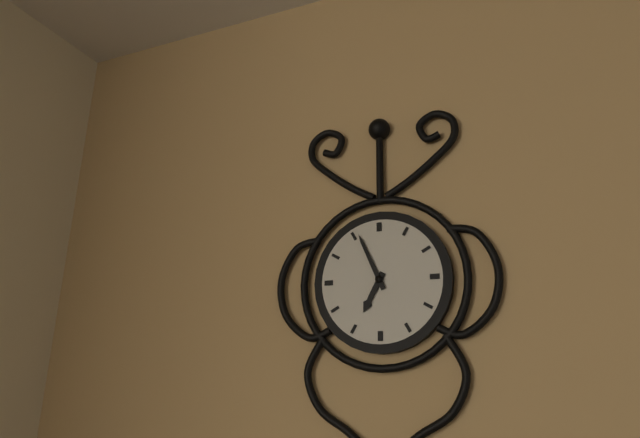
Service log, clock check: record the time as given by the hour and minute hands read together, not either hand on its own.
6:56
